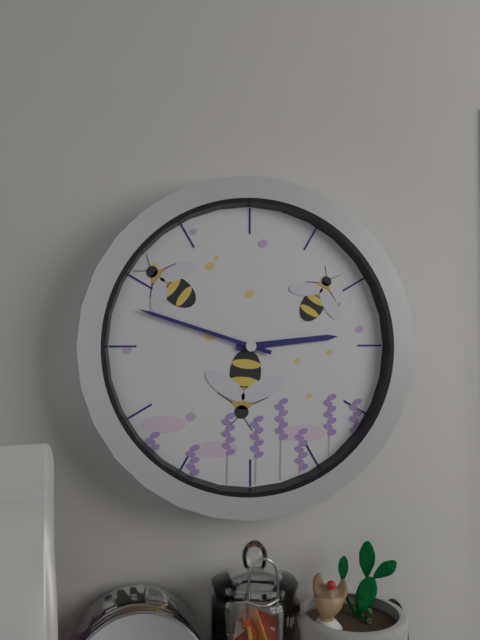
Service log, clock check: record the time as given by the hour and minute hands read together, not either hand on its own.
2:48
